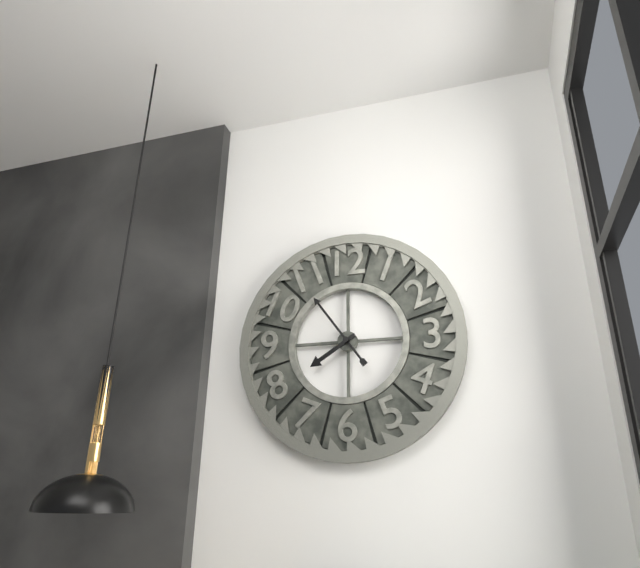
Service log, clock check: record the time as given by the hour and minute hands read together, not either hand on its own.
7:54
